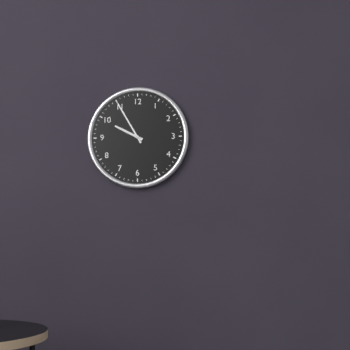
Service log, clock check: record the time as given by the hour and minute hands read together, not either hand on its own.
9:55
